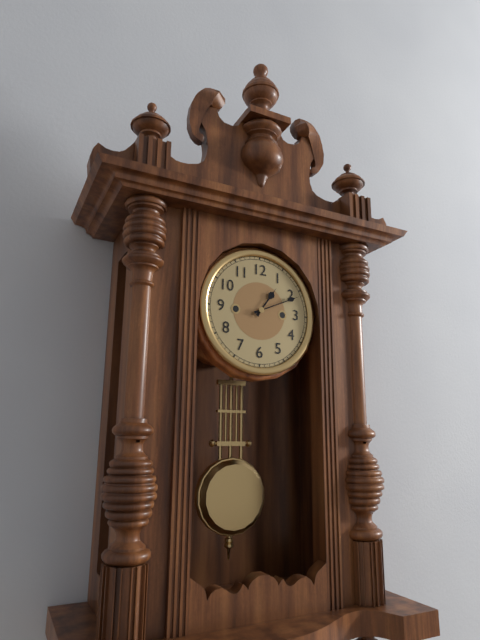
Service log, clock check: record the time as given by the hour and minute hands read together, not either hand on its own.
1:11
